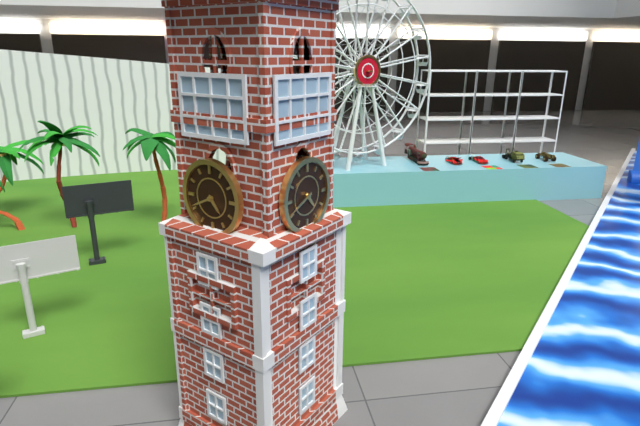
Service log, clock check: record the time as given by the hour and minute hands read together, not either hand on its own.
4:41
